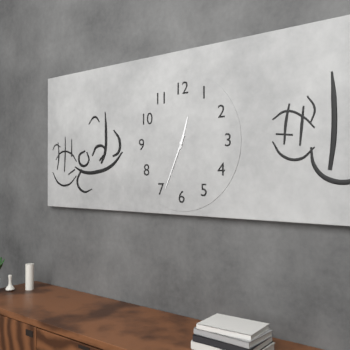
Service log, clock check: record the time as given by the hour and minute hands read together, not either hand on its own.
12:34
